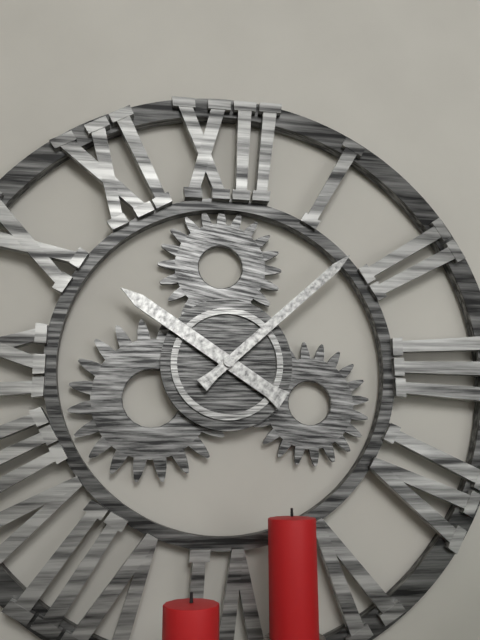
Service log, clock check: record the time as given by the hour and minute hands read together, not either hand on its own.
10:08
